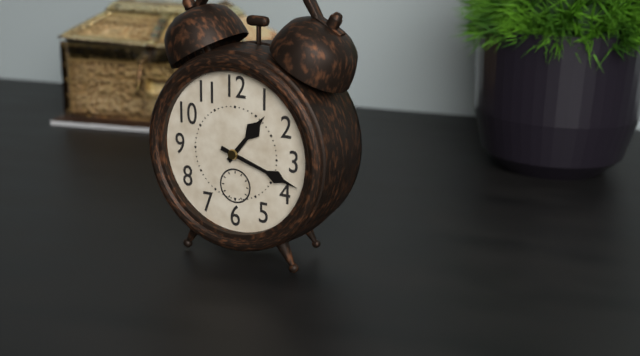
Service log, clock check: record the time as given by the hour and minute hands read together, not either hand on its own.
1:18
